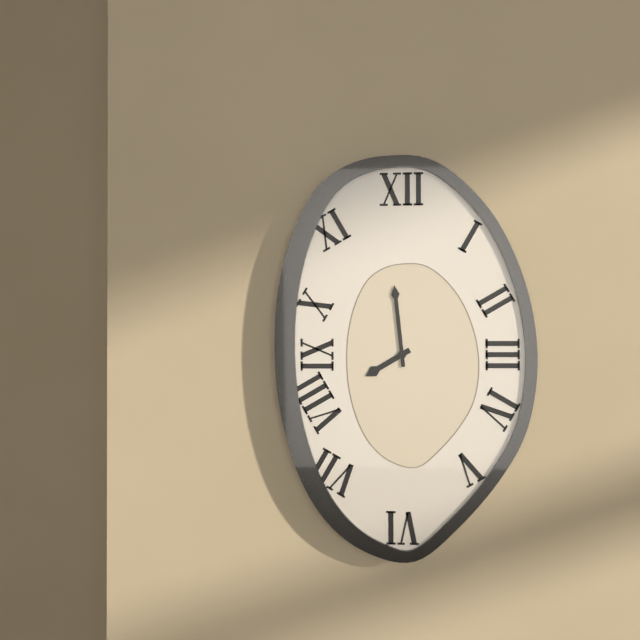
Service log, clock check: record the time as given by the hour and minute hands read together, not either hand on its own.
7:59
